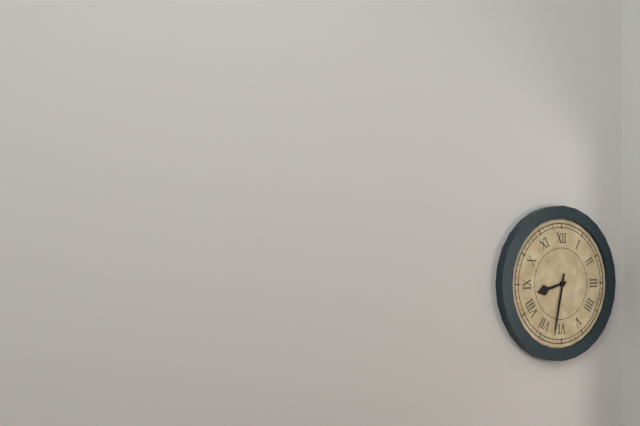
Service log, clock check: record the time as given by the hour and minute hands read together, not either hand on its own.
8:32
